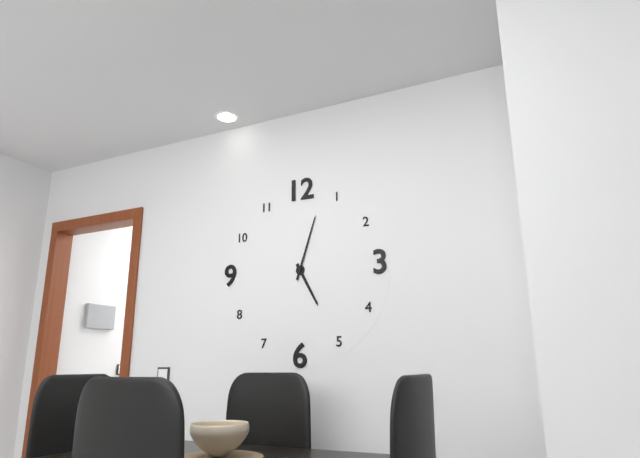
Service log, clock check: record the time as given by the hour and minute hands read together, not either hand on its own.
5:03
